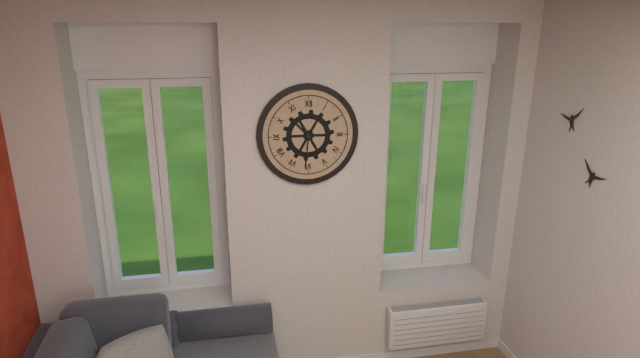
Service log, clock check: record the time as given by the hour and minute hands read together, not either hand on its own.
10:31
